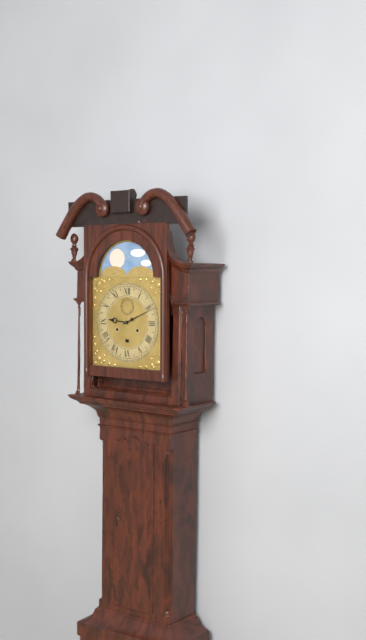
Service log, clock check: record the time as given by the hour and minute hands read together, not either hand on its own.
9:11
